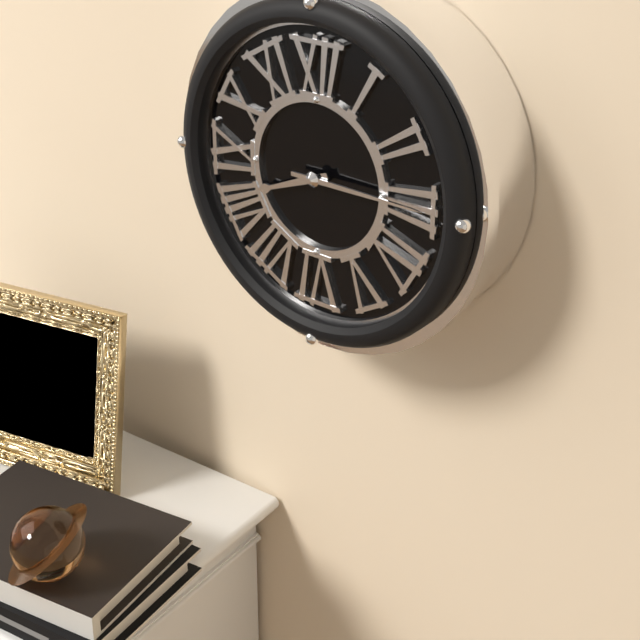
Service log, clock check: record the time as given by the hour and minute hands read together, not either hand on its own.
8:15
